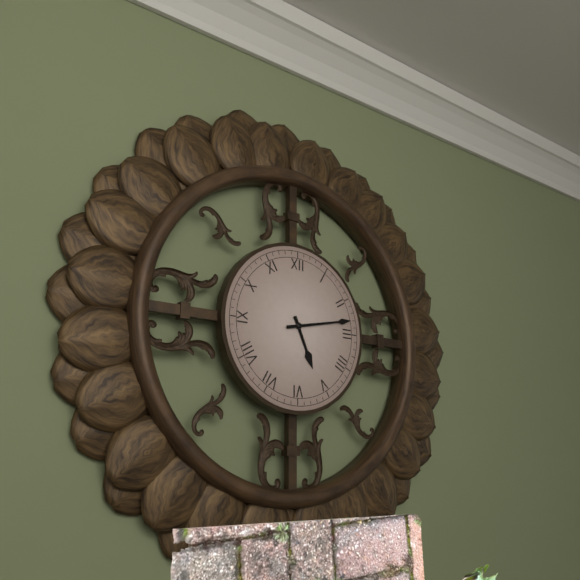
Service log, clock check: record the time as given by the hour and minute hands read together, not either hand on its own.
5:13
